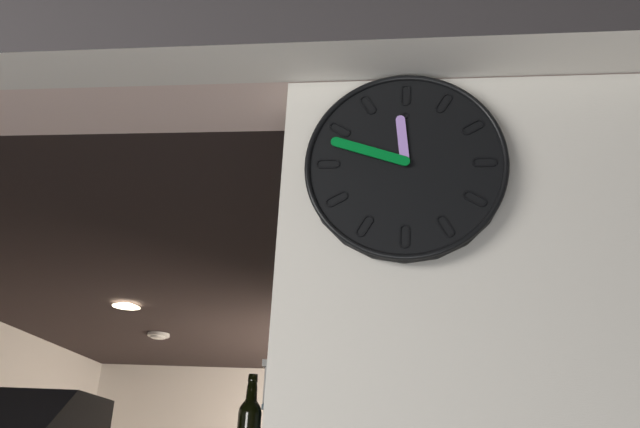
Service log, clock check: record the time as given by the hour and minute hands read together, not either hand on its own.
11:48
